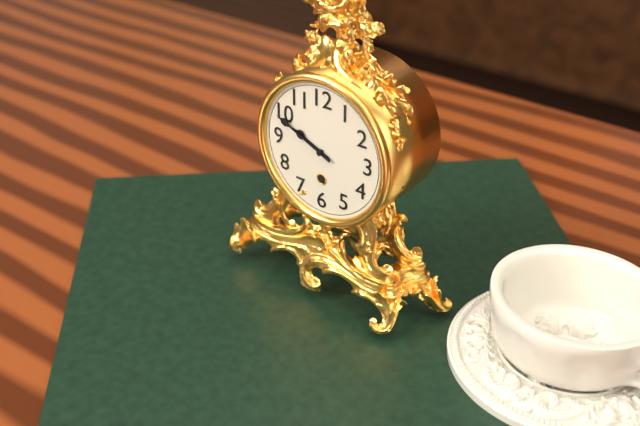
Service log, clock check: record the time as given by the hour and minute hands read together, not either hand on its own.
9:49
